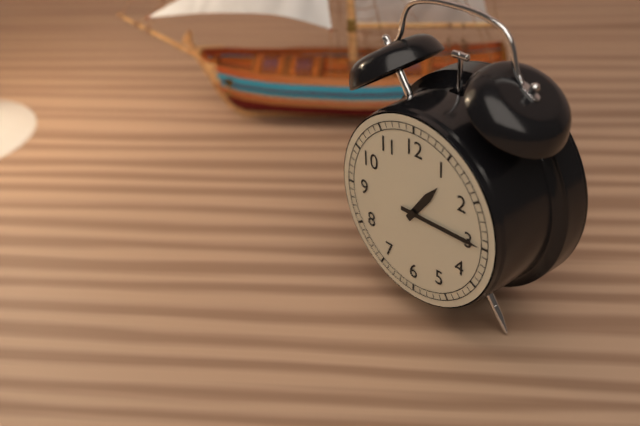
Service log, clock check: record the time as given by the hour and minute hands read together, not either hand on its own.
1:15
